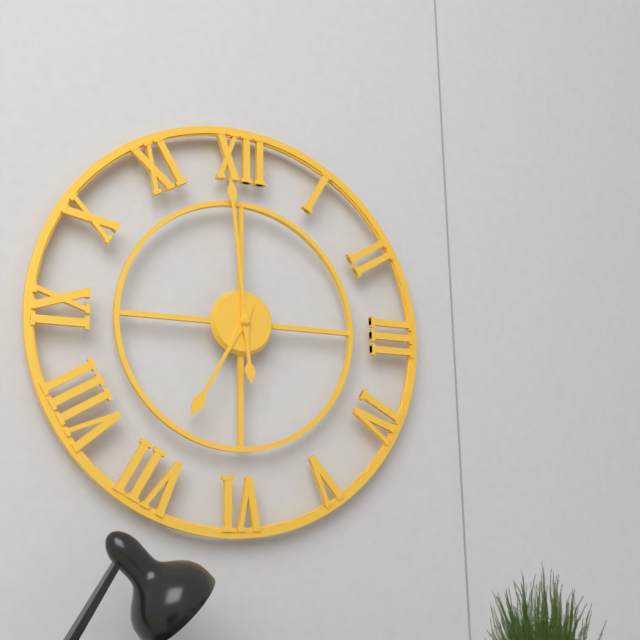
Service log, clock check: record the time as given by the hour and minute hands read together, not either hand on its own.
6:59
